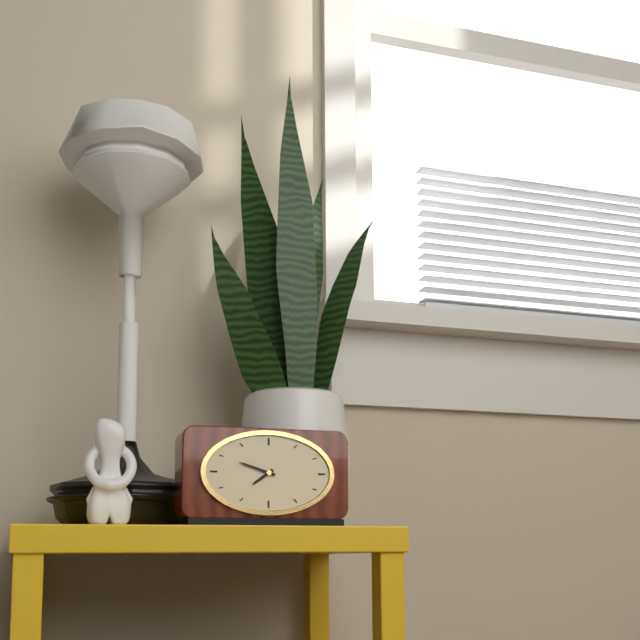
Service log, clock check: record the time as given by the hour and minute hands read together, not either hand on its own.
7:48
